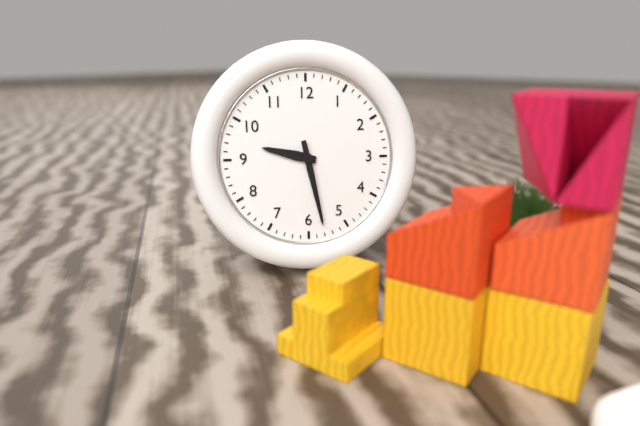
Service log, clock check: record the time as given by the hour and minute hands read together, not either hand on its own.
9:28
